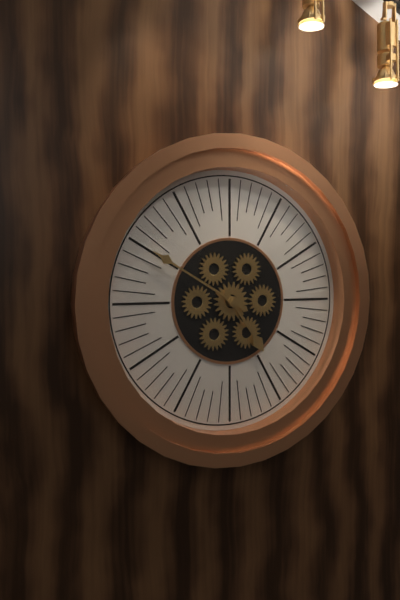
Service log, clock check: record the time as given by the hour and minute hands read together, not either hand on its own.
4:50
